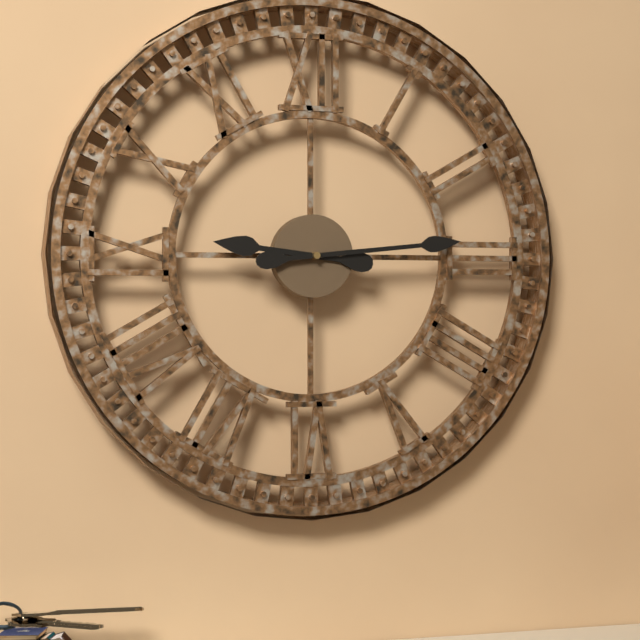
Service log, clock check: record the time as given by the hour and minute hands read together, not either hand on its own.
9:14
